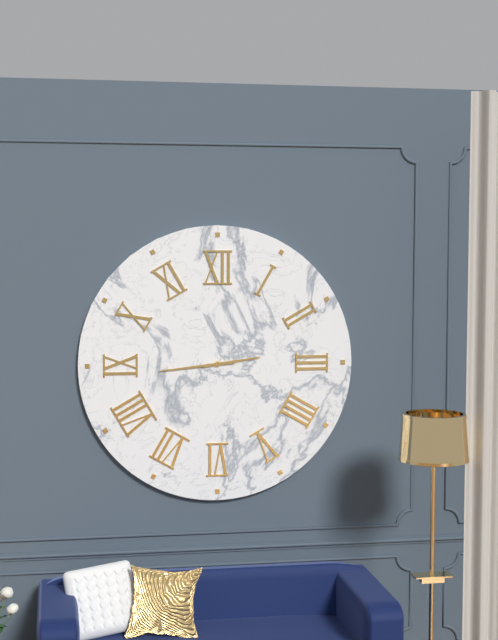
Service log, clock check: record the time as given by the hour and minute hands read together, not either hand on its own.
2:44
